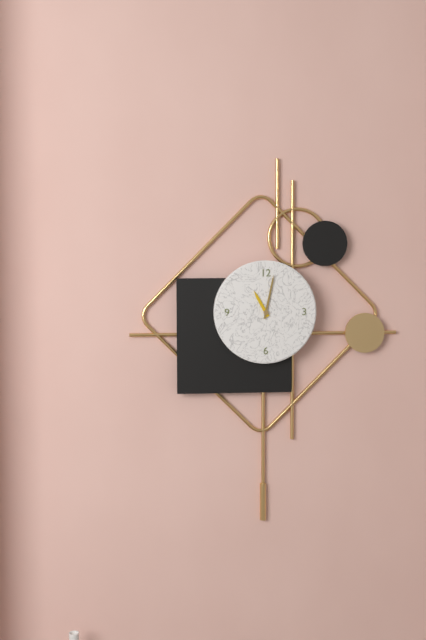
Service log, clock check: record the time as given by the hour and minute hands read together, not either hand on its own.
11:02
